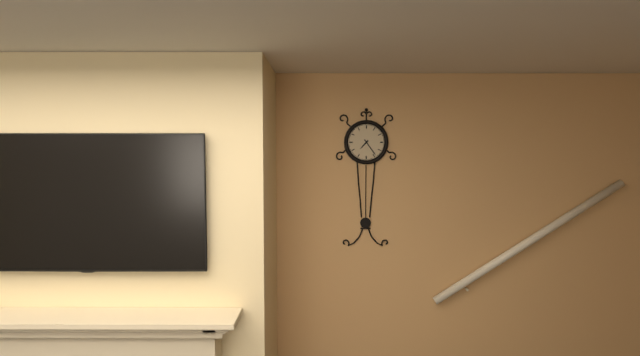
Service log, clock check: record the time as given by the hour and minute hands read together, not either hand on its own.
7:24
